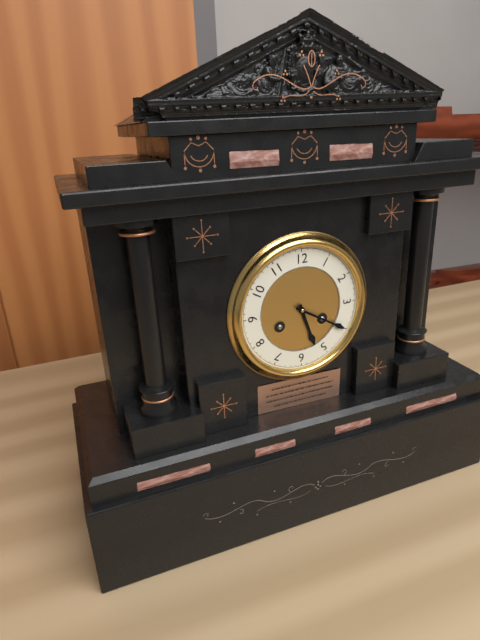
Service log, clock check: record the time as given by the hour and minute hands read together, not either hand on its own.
5:20
